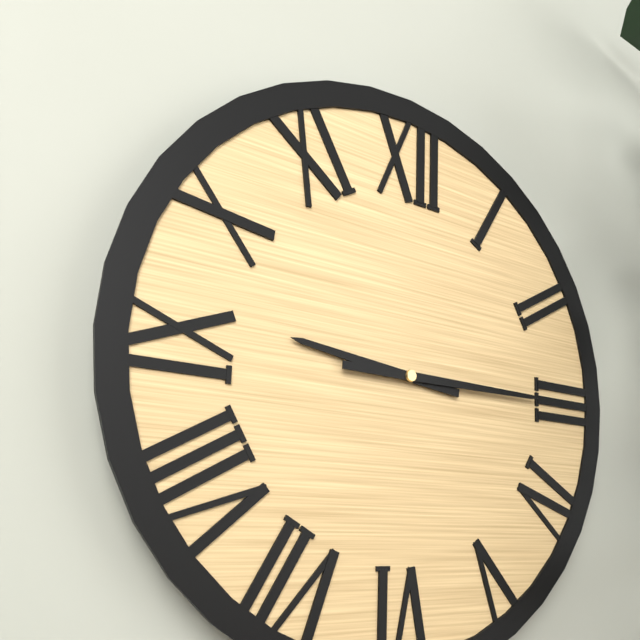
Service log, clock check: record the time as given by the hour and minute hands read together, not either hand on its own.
9:15
